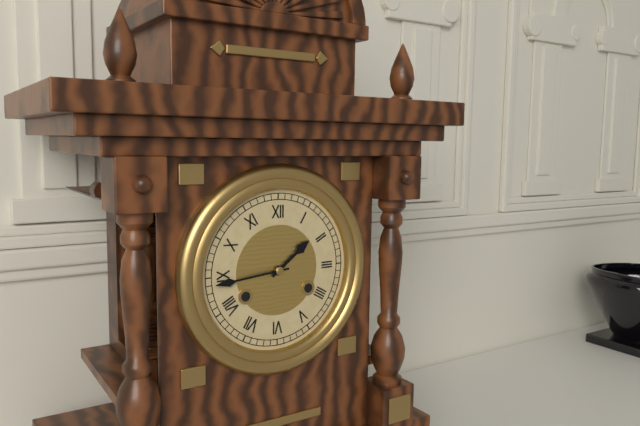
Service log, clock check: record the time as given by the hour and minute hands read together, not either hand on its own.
1:44
